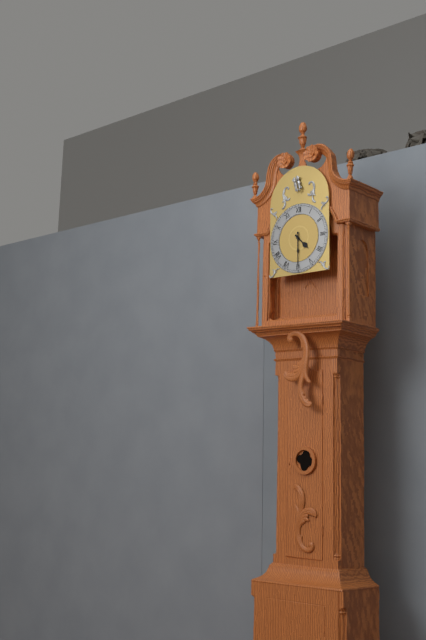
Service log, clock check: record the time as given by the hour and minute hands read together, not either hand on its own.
4:30
